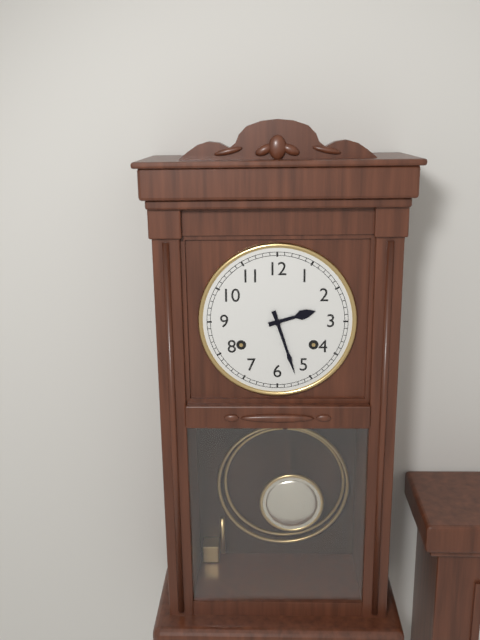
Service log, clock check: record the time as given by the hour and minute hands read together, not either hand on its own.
2:27
